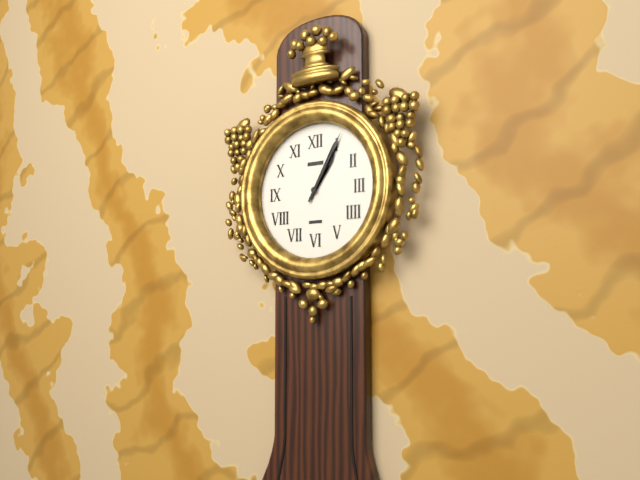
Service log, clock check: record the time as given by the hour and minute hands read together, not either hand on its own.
1:05
